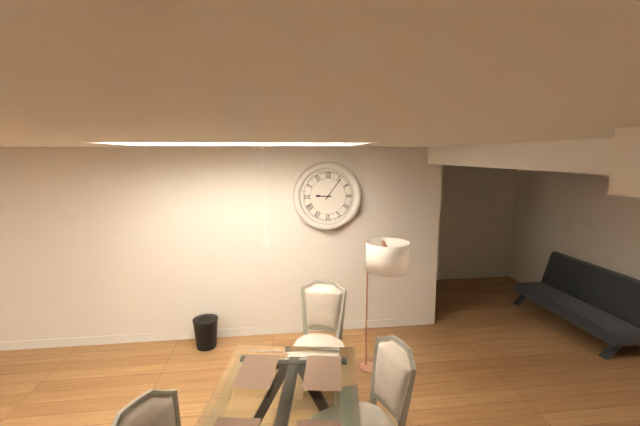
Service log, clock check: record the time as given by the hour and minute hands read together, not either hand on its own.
9:06
